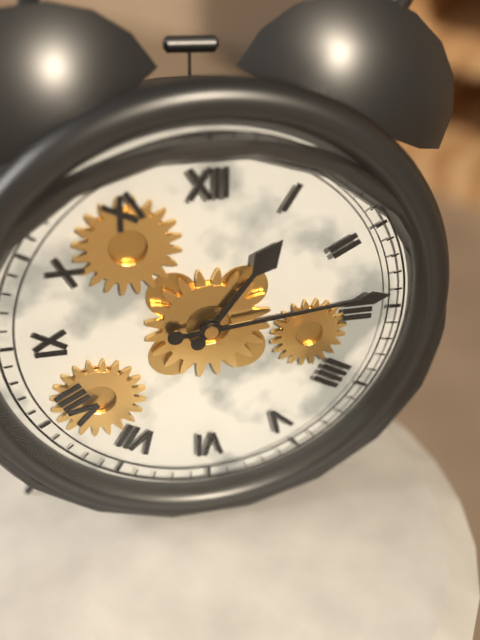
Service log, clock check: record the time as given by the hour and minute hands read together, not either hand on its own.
1:14
